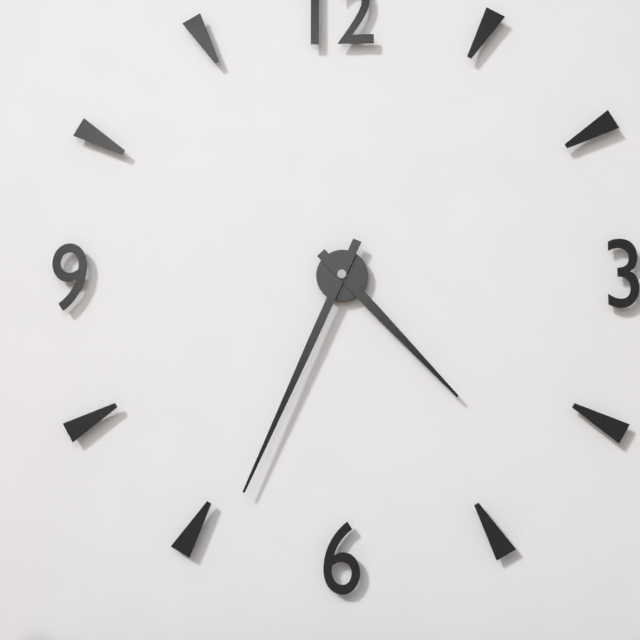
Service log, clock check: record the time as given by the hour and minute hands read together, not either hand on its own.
4:34
